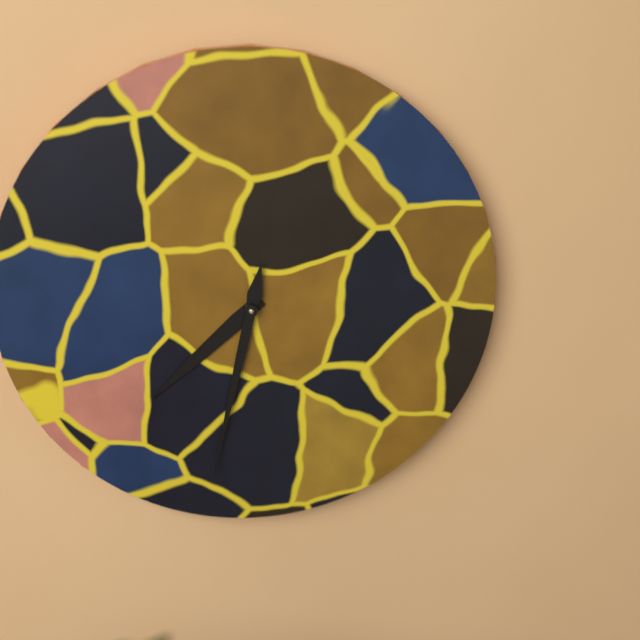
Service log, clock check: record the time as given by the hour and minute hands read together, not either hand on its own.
7:32
